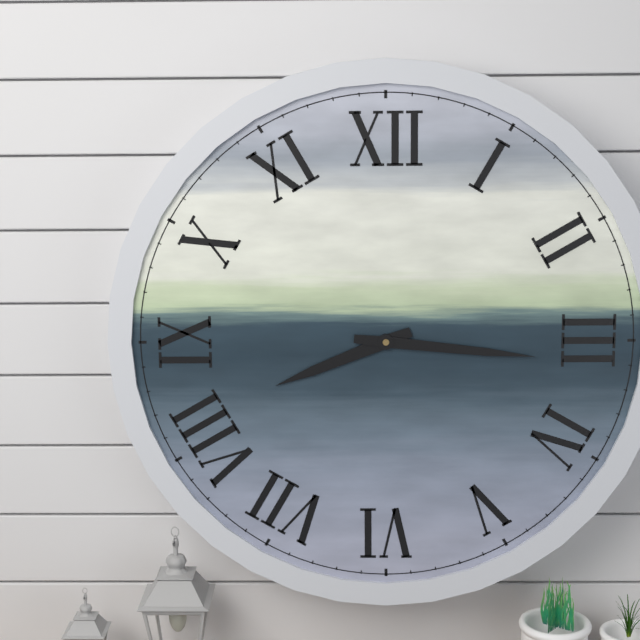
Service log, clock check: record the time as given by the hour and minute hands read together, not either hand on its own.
8:16
